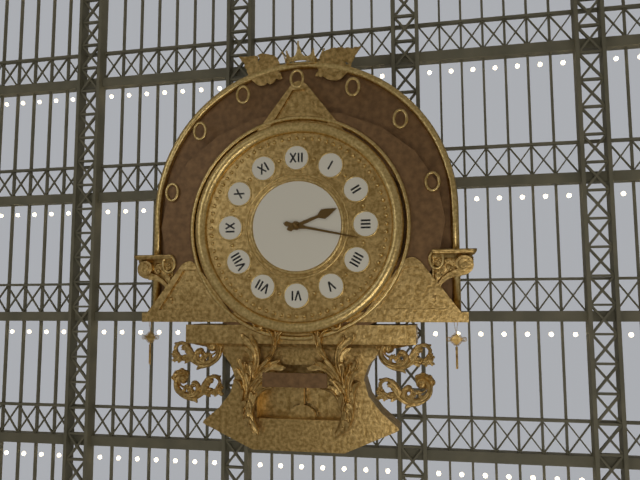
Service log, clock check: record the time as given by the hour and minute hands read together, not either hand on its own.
2:17
